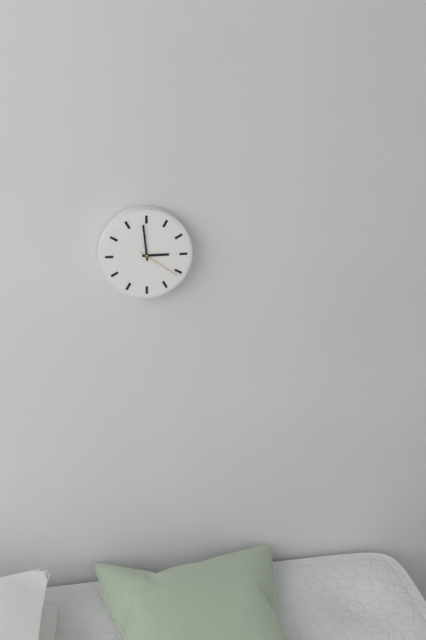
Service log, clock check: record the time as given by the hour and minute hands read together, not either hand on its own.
2:59
